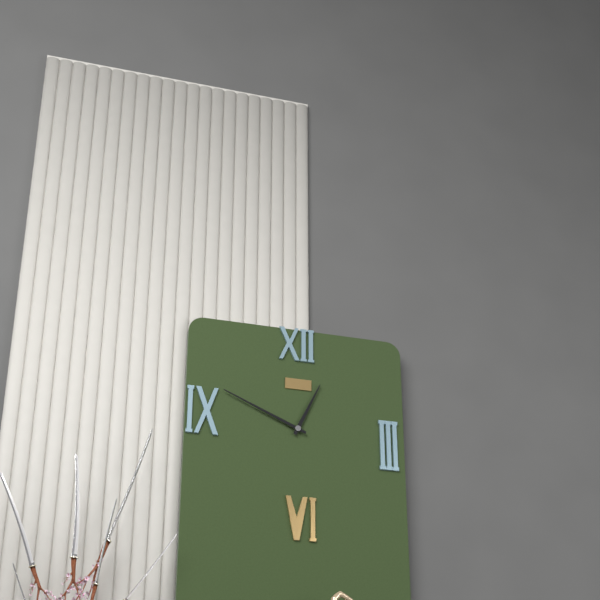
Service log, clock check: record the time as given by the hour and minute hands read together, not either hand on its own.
12:49
